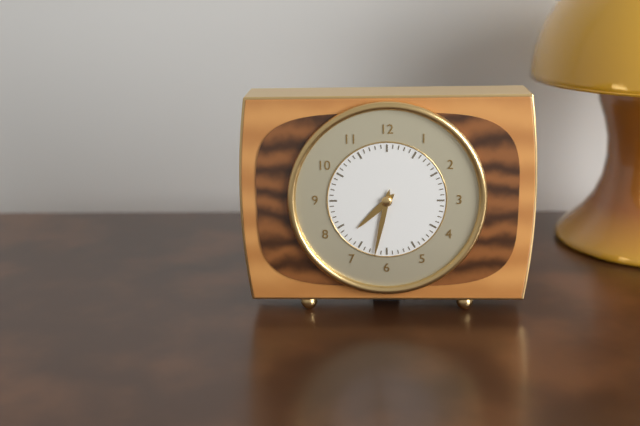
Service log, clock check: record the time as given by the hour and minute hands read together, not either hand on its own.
7:32
